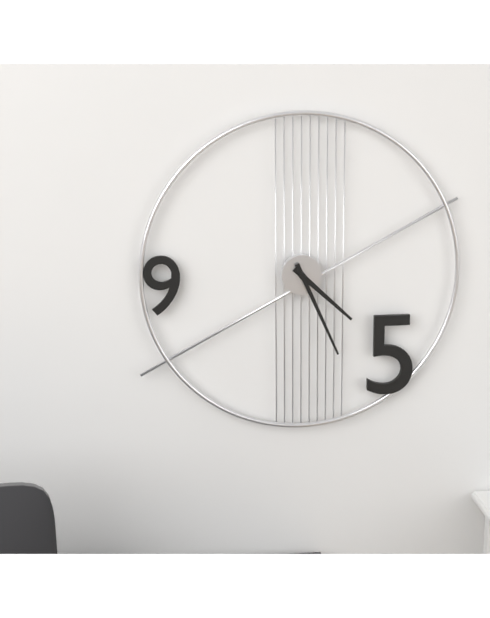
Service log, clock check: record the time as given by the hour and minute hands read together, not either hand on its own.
4:26
